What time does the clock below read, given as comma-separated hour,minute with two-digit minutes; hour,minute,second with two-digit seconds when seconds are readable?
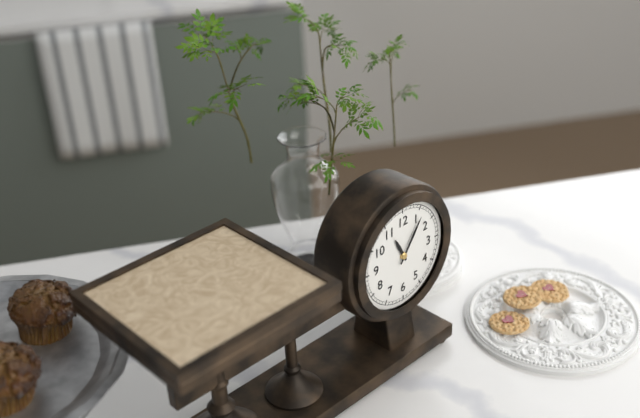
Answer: 11,06
